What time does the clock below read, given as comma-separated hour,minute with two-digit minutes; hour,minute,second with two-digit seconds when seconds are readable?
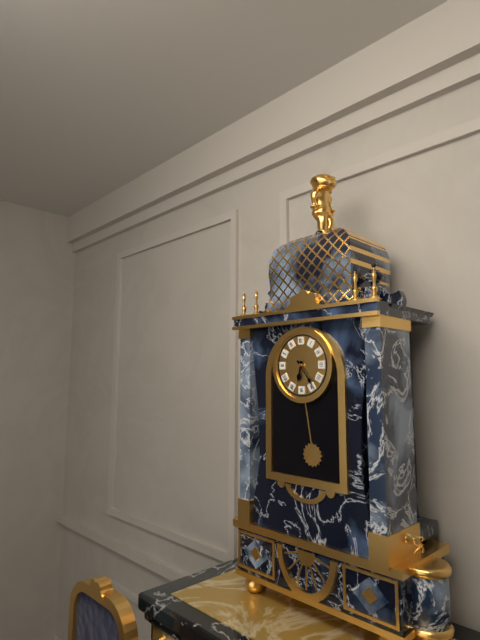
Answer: 6,24
